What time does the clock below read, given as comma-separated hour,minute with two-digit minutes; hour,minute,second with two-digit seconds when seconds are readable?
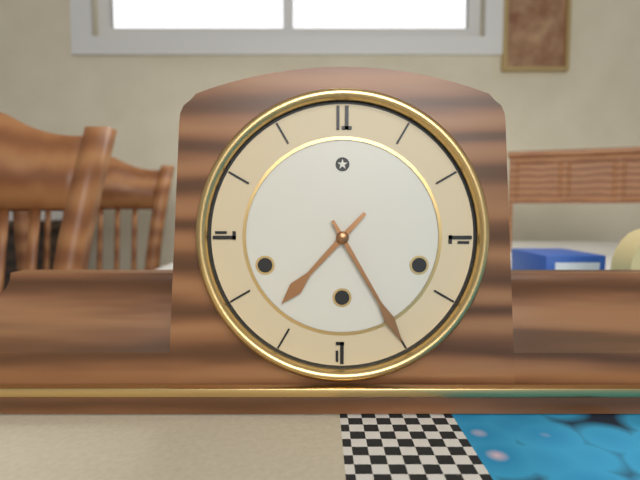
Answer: 7,25
